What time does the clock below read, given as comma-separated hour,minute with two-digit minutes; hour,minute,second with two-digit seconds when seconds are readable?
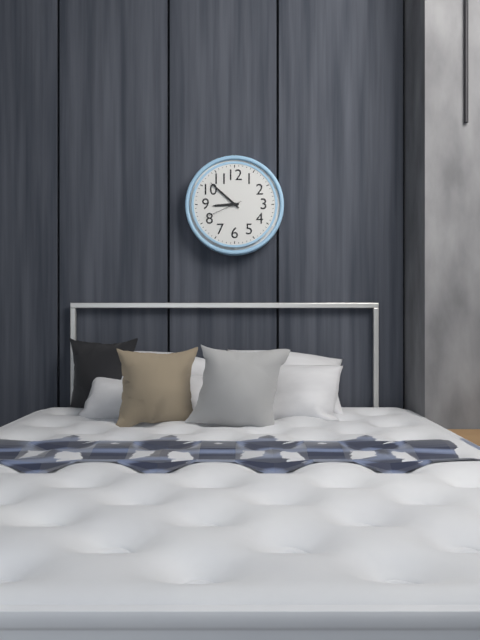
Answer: 8,52
